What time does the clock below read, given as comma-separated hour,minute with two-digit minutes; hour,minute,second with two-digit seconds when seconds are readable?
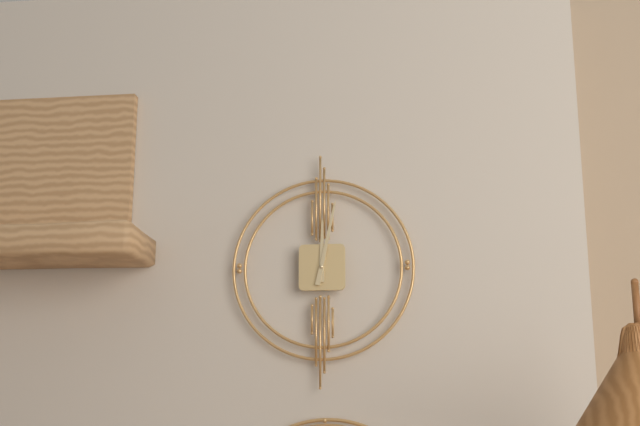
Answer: 12,02
